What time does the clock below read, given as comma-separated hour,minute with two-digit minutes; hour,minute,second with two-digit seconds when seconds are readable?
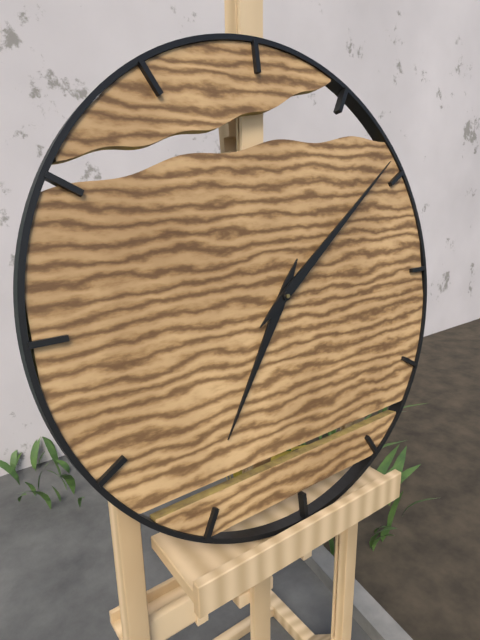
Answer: 7,09
